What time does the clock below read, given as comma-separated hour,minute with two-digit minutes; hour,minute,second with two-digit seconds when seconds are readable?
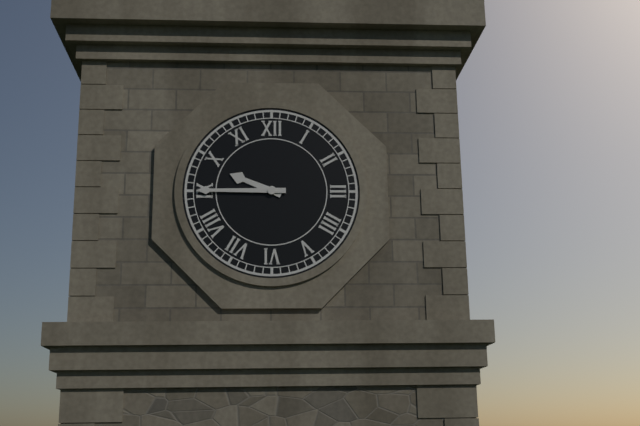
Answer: 9,45
